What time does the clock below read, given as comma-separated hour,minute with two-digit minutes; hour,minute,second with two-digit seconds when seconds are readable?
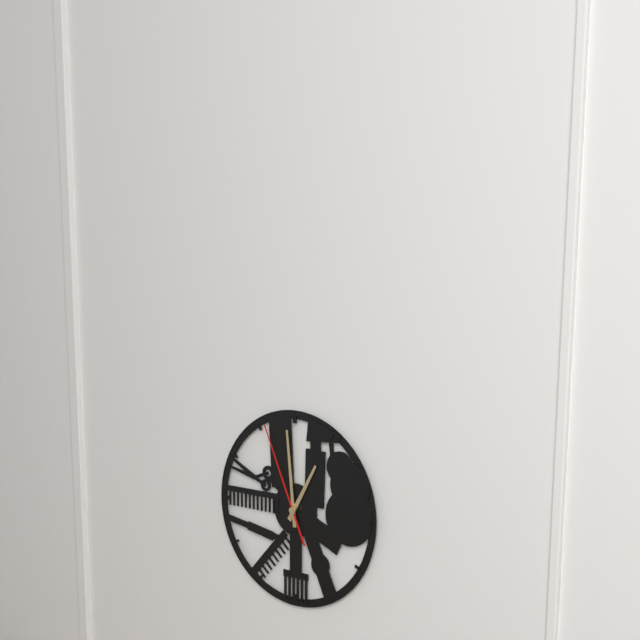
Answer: 12,59,56
